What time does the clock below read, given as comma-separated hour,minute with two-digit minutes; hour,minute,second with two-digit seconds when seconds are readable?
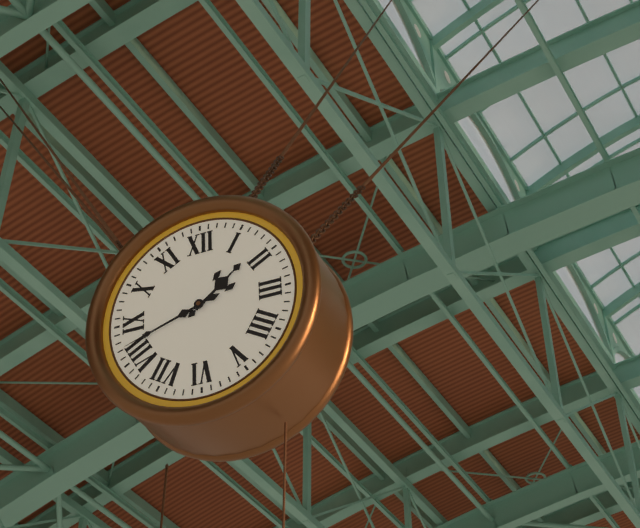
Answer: 1,42
